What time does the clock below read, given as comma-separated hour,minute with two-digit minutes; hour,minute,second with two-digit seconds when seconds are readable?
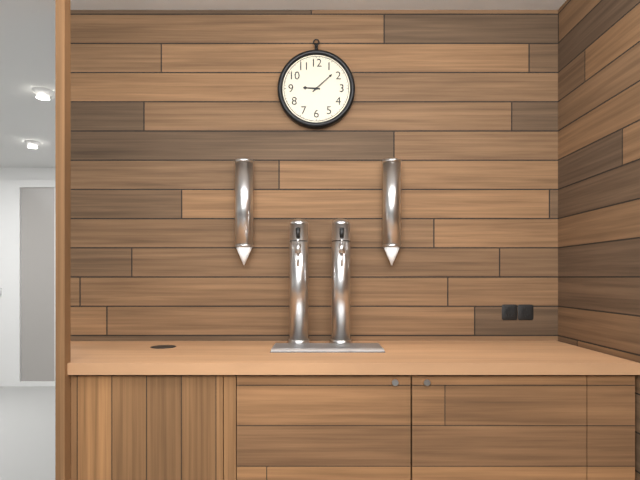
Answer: 9,08
